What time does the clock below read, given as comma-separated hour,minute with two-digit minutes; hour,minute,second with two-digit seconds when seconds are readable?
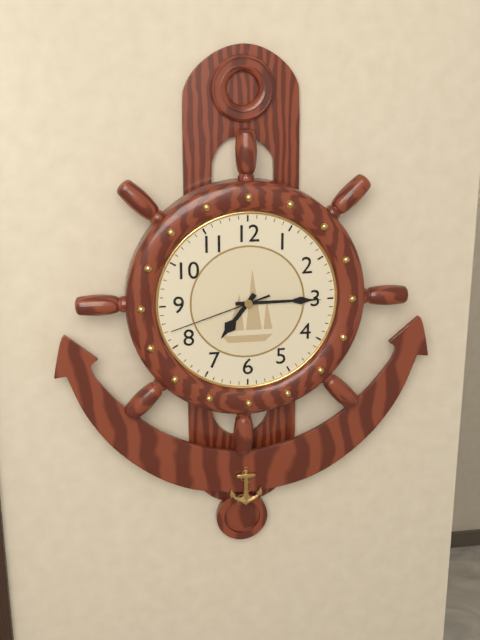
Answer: 7,15,42
